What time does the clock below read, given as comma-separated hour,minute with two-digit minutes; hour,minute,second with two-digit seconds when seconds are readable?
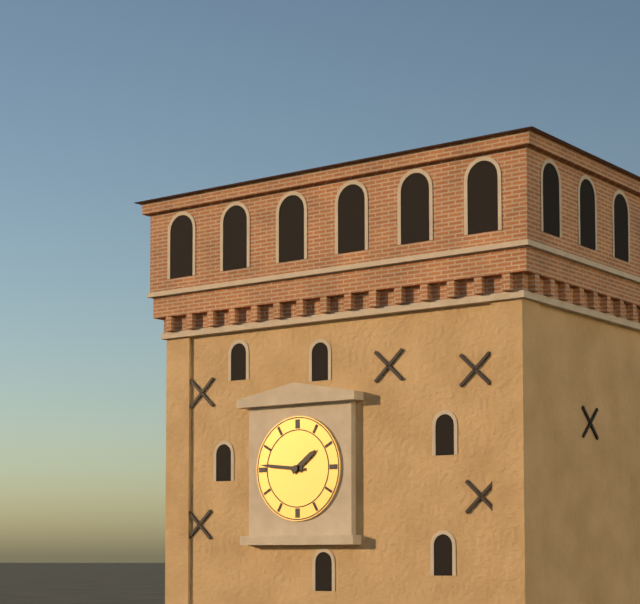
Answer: 1,46
